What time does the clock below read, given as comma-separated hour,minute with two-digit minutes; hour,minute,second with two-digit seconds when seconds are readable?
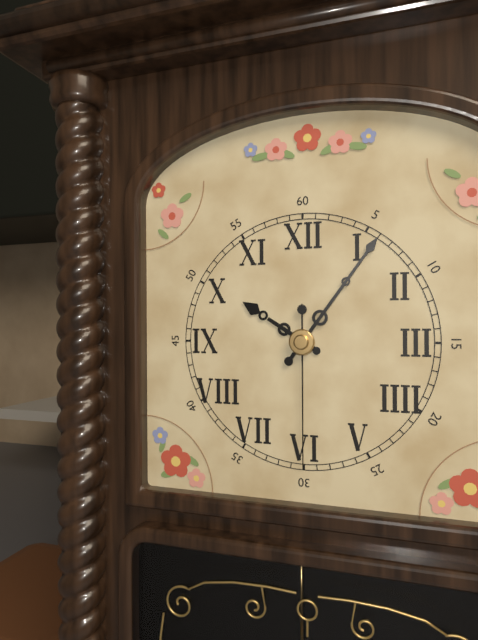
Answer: 10,06,30
